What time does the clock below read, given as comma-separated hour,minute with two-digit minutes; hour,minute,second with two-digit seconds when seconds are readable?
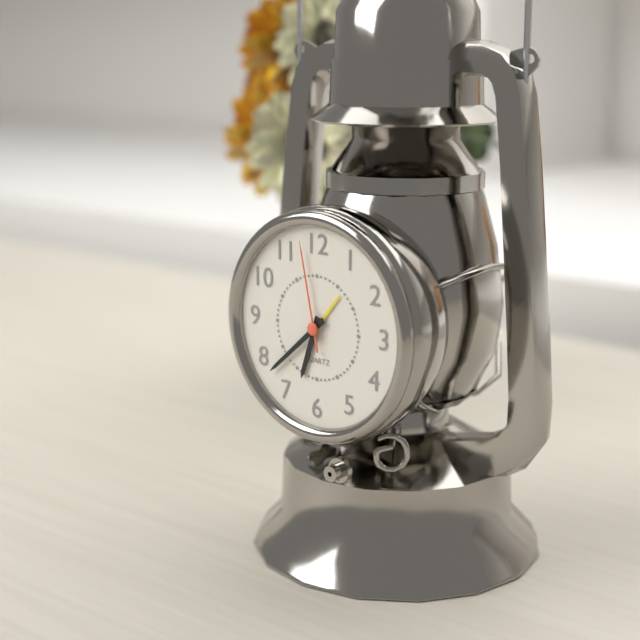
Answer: 6,38,58
